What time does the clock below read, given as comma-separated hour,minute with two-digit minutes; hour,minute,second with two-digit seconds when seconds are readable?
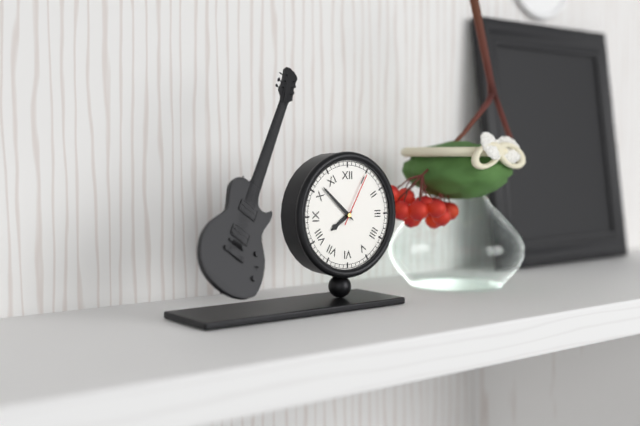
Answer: 7,52,05
